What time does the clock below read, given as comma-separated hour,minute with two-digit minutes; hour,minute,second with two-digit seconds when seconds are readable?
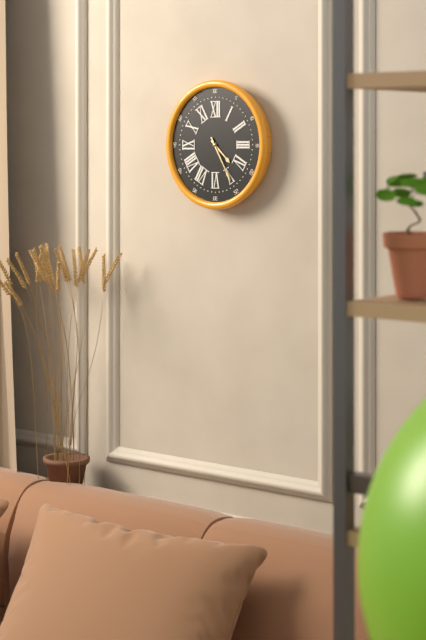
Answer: 4,25
